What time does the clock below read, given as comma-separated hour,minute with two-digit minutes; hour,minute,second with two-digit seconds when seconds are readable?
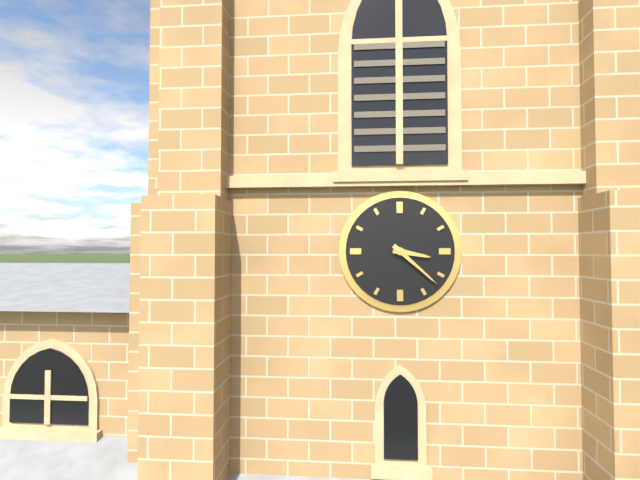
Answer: 3,22
